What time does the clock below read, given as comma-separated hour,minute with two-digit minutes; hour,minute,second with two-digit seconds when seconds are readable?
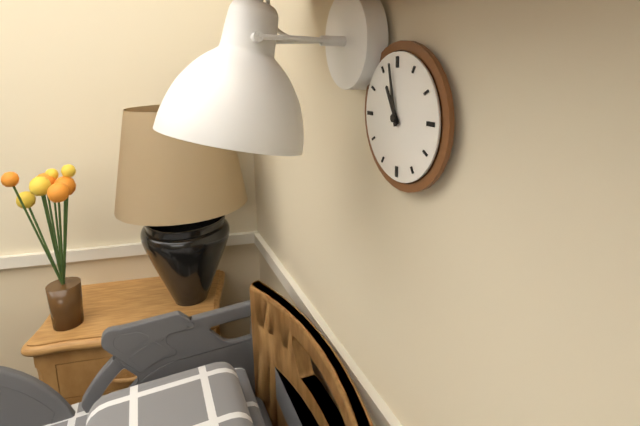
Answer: 10,58
